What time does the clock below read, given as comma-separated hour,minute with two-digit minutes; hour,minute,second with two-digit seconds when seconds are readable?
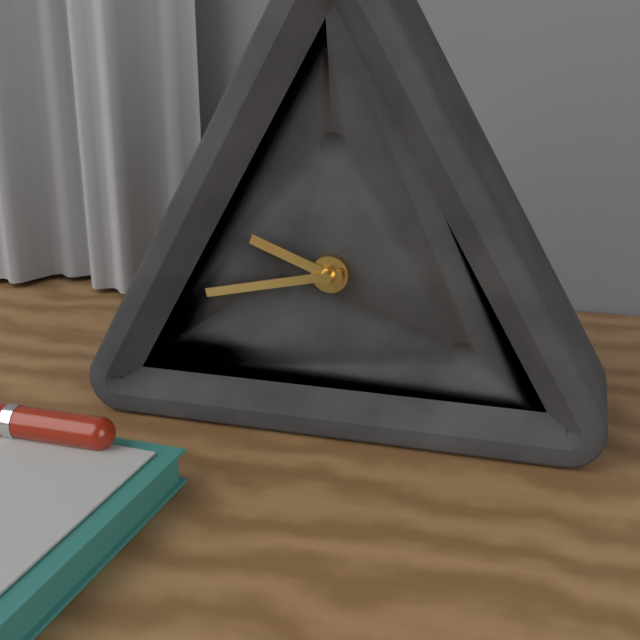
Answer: 9,43
